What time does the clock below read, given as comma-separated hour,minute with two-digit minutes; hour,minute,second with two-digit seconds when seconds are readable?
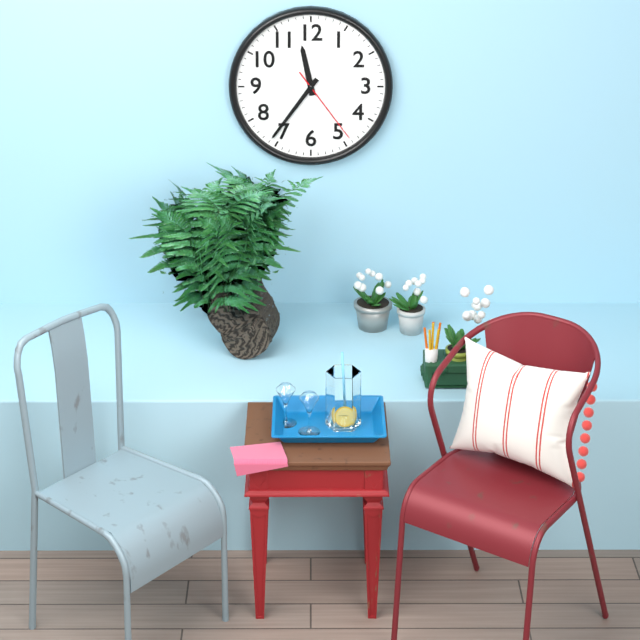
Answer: 11,36,24
